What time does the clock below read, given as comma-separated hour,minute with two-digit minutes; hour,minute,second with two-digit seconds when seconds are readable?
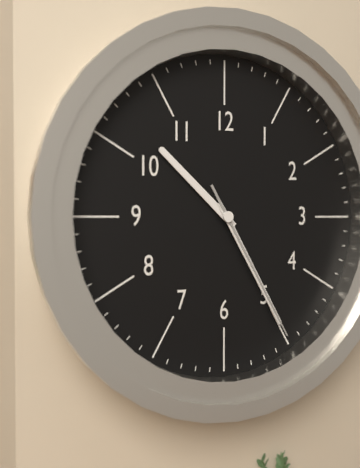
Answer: 10,25,25
